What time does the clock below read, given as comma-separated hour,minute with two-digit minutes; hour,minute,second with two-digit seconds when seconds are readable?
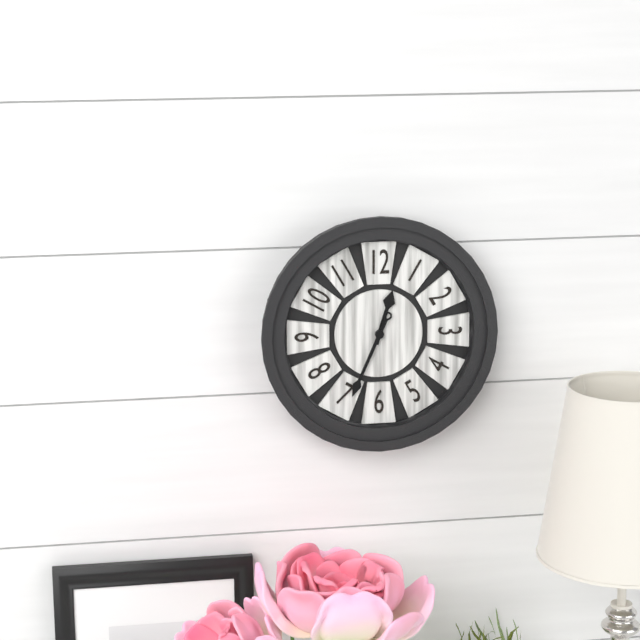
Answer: 12,34
